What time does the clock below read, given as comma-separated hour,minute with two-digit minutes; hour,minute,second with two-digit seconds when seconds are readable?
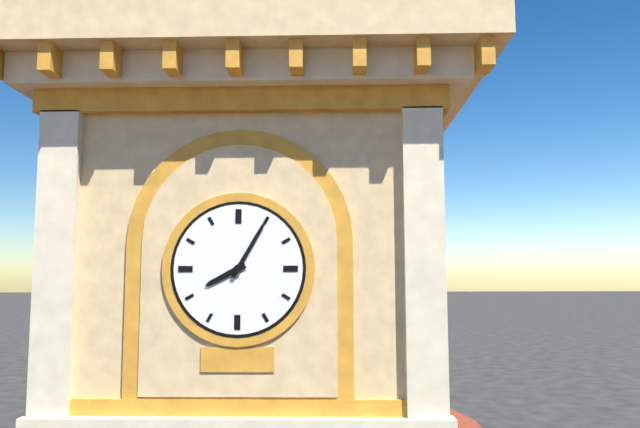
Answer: 8,05
